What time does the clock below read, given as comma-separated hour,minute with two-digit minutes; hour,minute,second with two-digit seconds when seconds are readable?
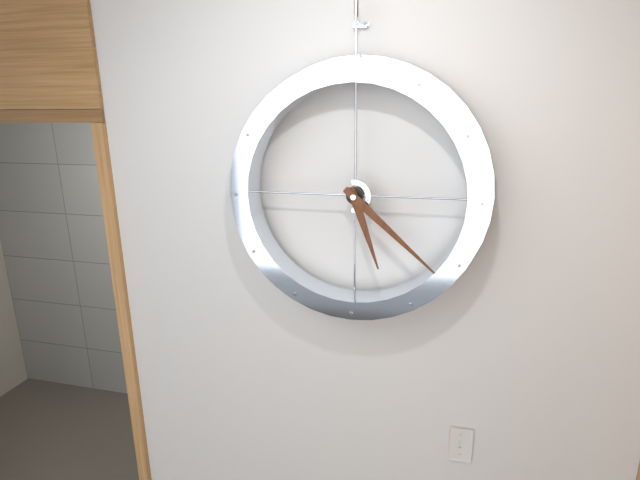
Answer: 5,22
